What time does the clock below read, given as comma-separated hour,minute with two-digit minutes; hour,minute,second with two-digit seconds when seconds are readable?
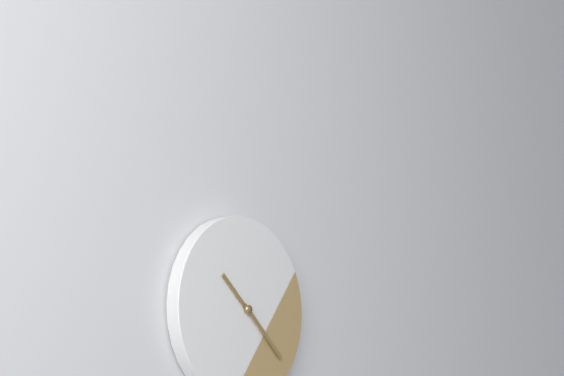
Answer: 10,22
